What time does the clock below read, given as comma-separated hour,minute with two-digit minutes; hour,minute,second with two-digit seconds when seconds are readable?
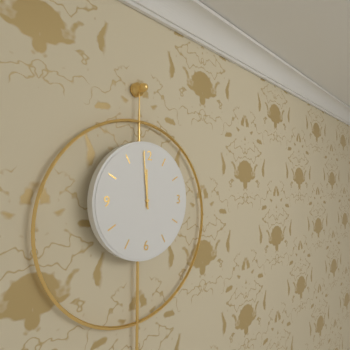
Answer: 11,59
